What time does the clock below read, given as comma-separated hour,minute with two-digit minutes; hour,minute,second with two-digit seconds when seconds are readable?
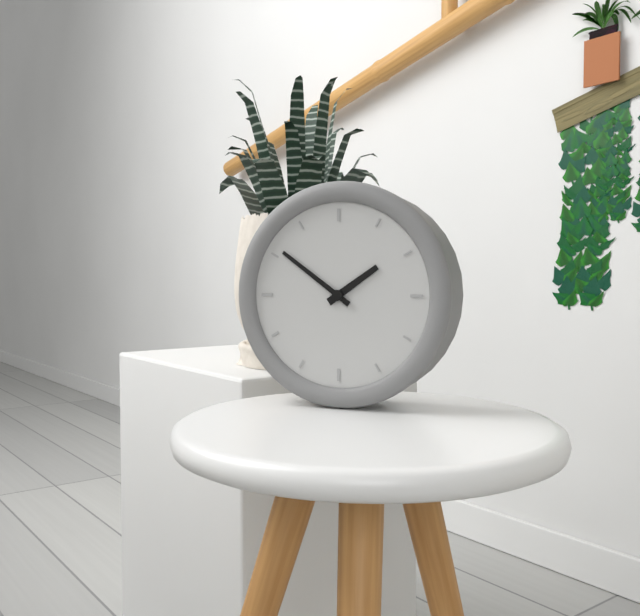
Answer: 1,51
